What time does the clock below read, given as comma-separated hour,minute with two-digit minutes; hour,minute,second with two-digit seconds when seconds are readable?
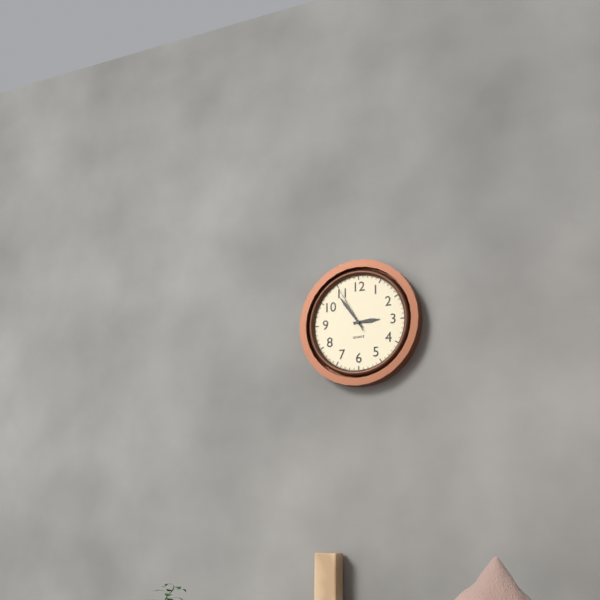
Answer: 2,54
